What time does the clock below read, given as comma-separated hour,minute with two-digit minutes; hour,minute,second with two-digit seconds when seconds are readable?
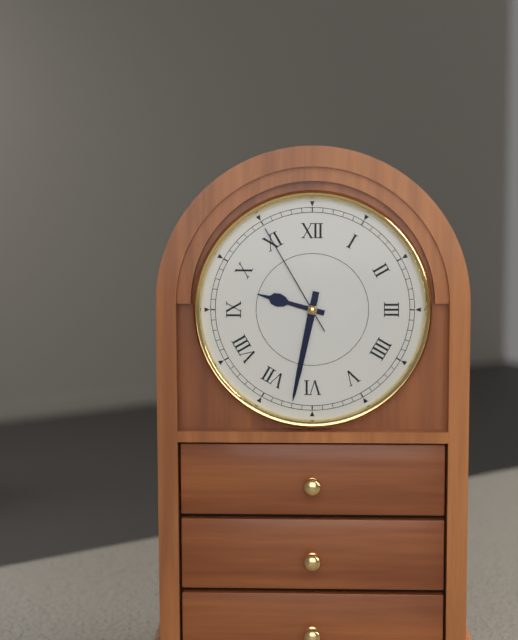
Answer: 9,32,55
